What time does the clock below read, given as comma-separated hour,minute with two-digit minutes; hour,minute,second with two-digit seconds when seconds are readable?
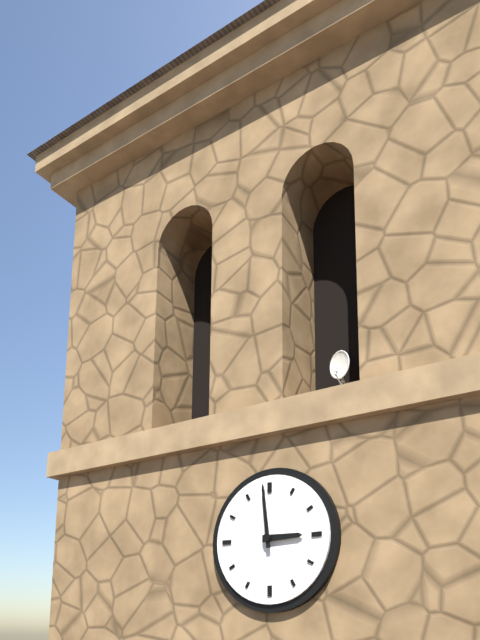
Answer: 2,59
